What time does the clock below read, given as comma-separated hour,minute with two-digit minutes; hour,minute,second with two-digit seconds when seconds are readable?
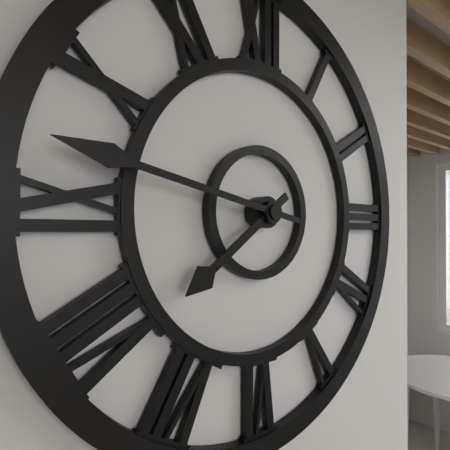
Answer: 7,47
